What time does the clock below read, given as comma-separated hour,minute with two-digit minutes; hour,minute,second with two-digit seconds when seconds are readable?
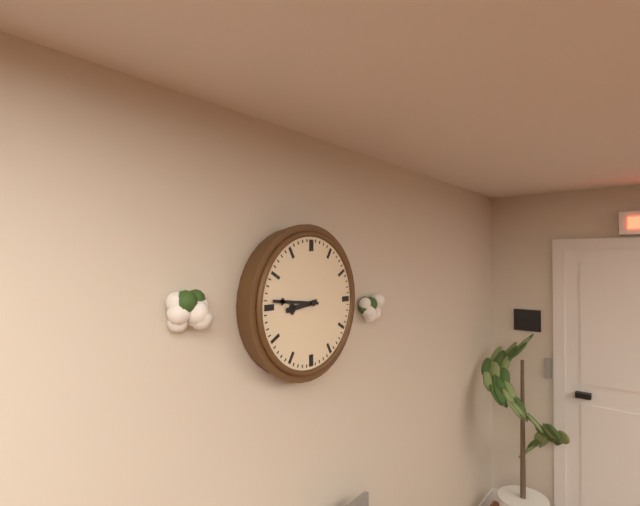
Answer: 8,46
